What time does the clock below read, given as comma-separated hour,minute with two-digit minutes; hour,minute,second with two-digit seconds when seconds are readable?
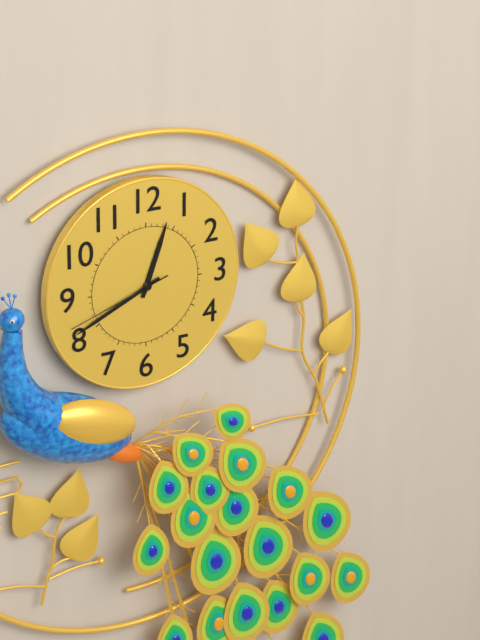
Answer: 12,41,42
